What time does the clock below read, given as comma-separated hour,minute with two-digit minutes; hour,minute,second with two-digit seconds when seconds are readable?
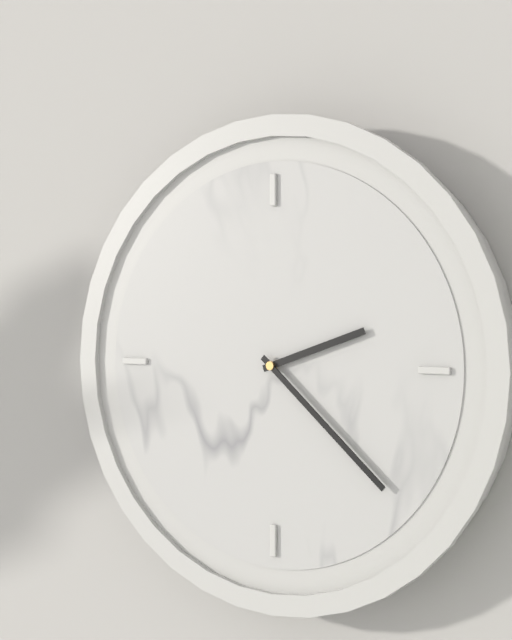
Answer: 2,22
